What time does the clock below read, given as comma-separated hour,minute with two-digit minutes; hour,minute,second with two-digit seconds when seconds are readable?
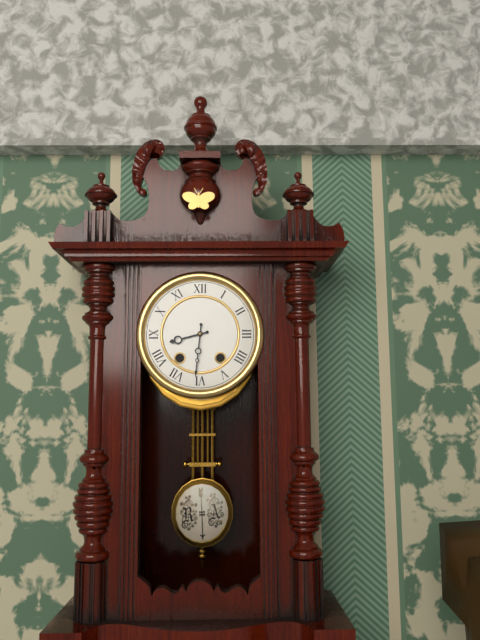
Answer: 8,31
